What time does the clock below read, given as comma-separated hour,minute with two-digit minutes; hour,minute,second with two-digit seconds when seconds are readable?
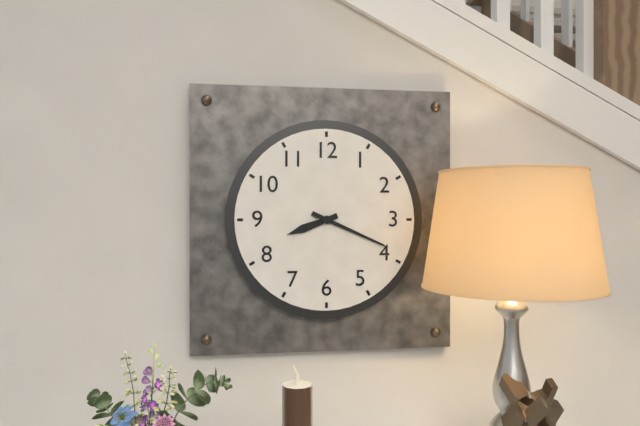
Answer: 8,19
